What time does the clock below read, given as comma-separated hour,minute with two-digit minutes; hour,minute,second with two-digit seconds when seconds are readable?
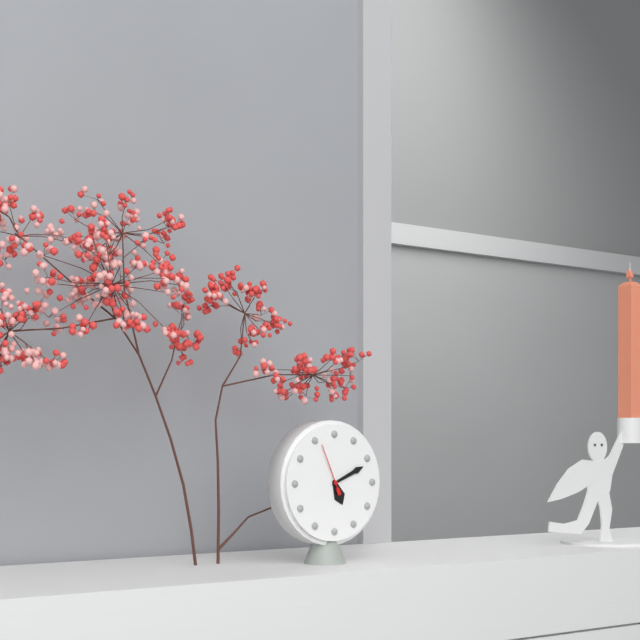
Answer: 5,11,56
